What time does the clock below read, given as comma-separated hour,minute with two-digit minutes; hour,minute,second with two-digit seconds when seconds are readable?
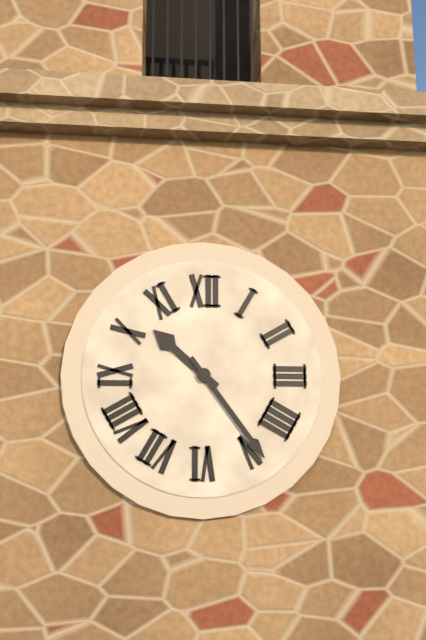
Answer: 10,24
